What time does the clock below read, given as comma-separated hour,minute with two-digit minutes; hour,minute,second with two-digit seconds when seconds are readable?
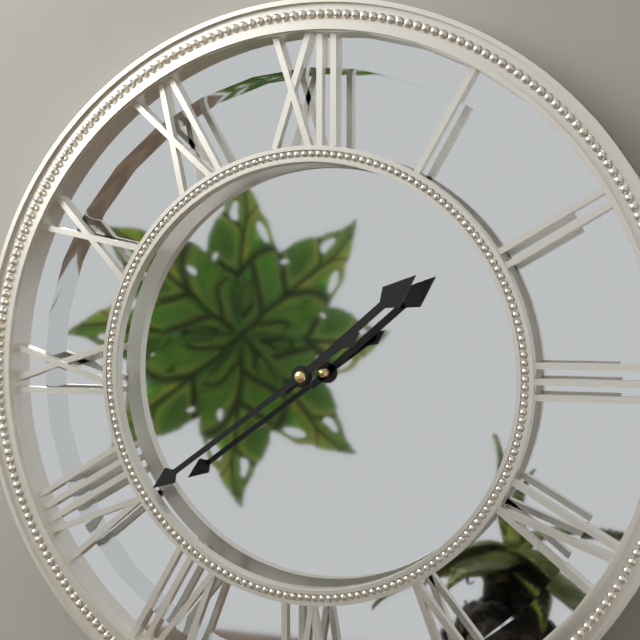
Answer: 1,39
